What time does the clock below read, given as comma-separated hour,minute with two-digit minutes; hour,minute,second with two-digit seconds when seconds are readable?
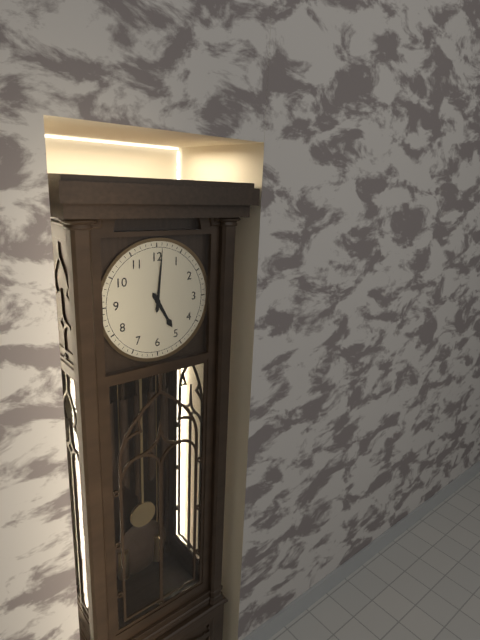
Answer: 5,01
